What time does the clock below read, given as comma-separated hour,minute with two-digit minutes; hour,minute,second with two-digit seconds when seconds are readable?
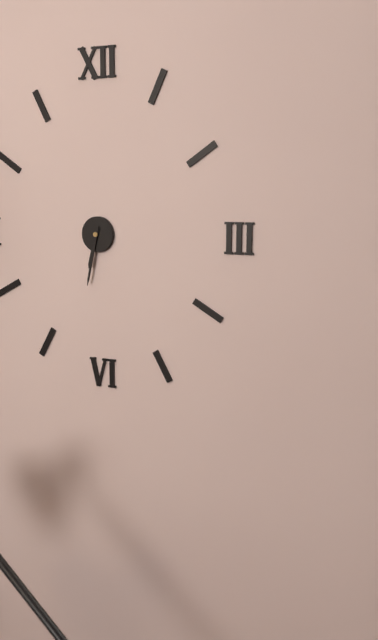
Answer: 6,32
